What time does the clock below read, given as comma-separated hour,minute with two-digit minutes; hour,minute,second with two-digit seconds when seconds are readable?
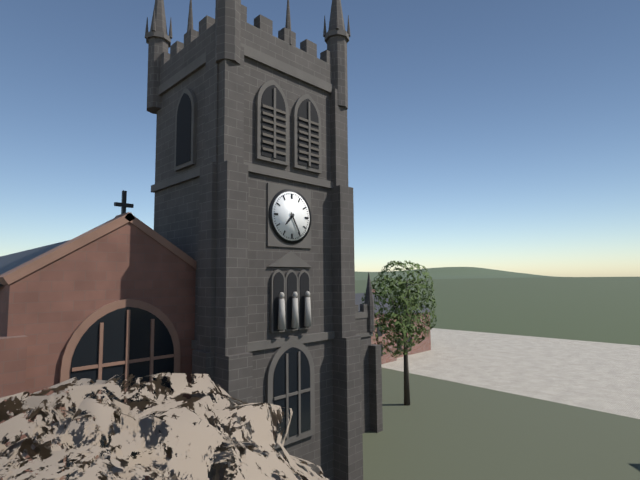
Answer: 7,25
